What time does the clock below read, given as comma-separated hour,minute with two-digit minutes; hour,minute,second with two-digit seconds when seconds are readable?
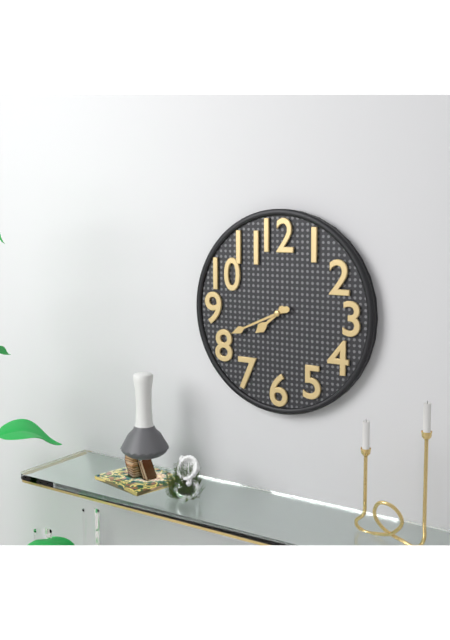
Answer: 7,41
